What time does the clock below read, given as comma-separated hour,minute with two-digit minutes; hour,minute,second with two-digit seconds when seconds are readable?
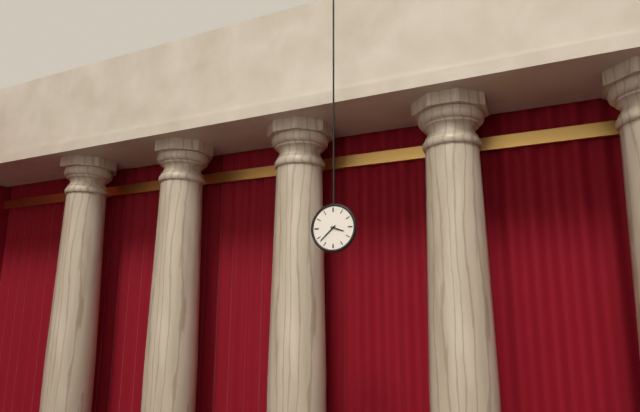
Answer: 3,38
